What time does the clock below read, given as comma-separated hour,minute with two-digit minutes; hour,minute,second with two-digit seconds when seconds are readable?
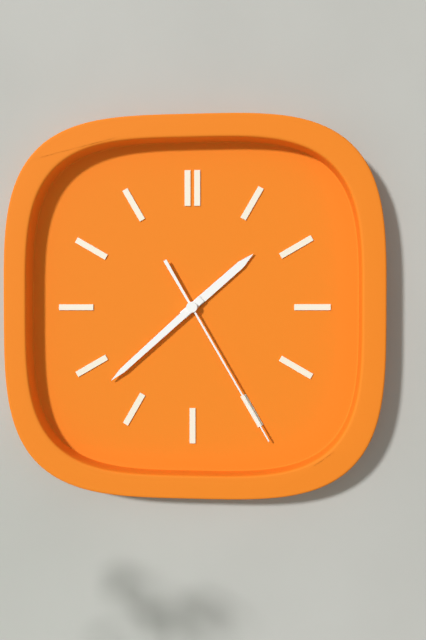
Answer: 1,38,25
